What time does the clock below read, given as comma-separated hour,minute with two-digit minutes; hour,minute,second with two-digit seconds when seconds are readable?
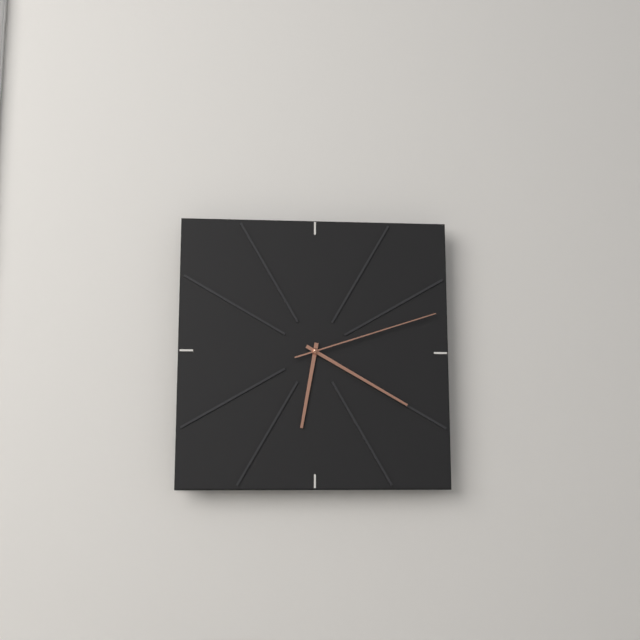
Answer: 6,20,12
